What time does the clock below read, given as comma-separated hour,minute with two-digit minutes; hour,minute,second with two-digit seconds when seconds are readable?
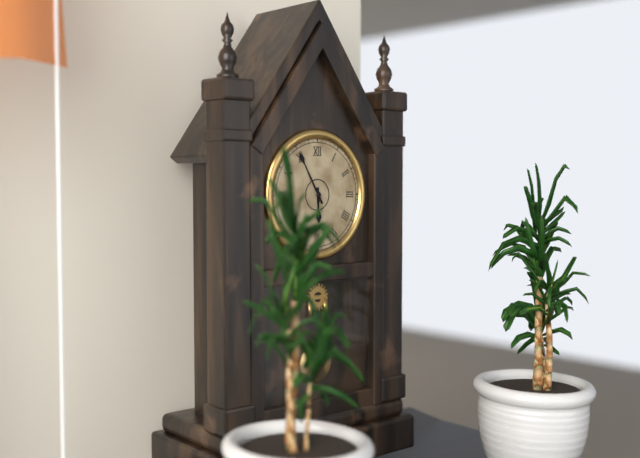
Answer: 5,55
